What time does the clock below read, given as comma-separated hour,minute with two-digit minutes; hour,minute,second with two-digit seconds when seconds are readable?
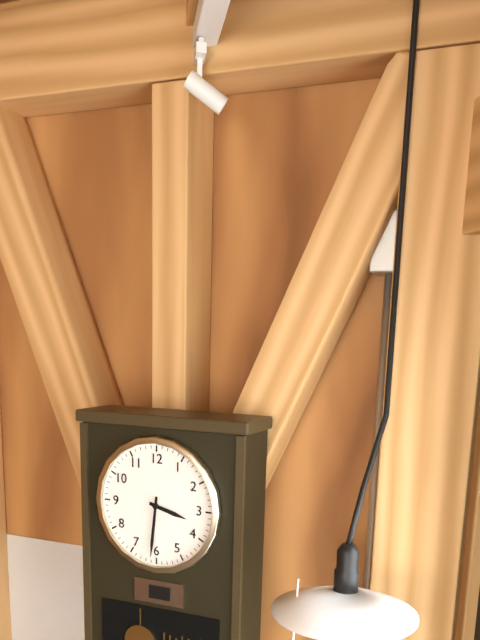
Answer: 3,31
